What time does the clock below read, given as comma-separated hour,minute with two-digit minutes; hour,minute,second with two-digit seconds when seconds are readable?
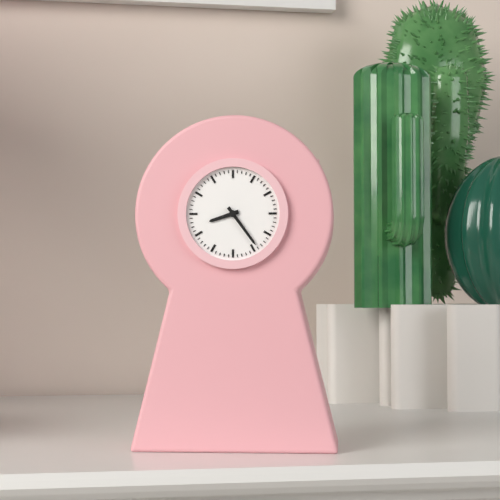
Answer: 8,24
